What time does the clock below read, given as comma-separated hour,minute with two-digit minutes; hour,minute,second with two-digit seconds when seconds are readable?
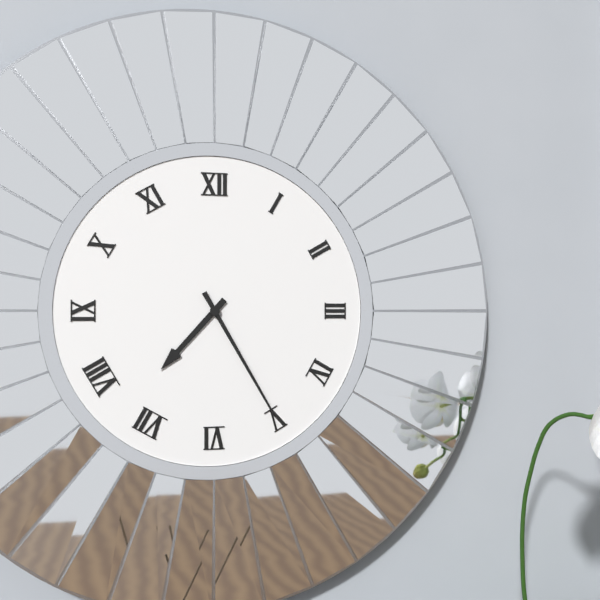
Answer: 7,25
